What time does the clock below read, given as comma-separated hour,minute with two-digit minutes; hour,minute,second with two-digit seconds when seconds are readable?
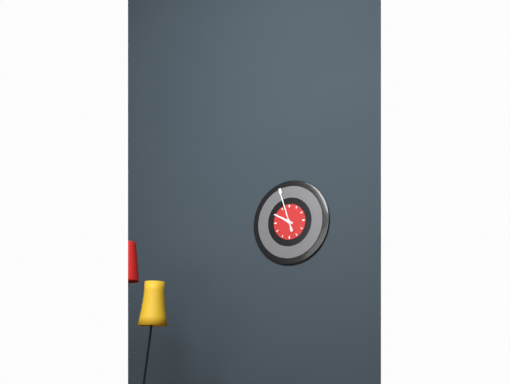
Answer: 9,57
